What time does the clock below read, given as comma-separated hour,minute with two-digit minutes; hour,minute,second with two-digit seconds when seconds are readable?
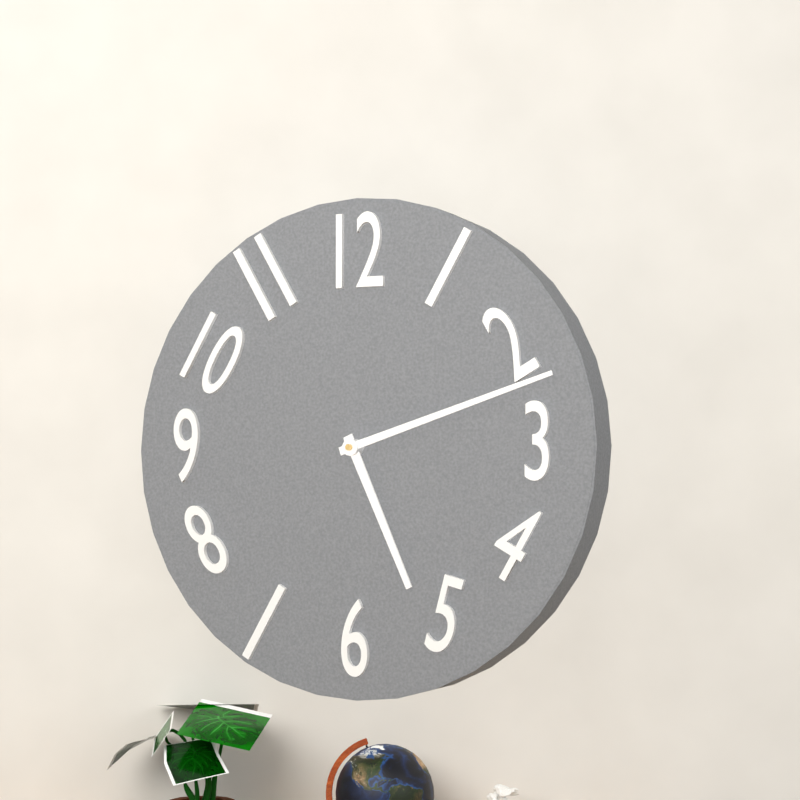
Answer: 5,12
